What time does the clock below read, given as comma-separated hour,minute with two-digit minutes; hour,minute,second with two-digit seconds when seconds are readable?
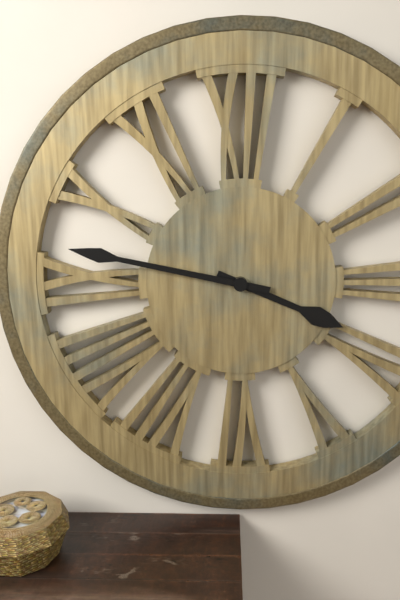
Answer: 3,47
